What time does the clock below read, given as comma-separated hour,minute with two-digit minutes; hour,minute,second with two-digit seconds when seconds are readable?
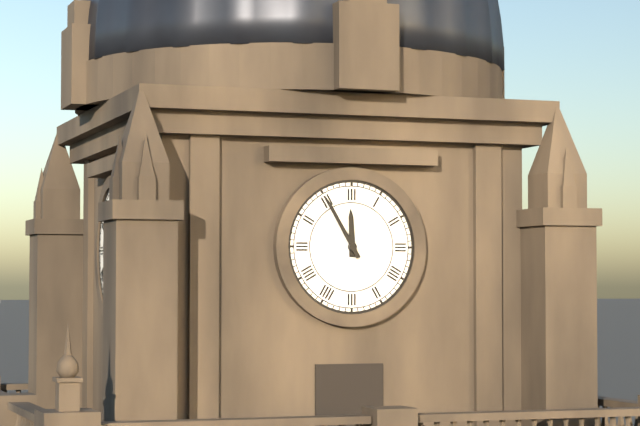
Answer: 11,55
